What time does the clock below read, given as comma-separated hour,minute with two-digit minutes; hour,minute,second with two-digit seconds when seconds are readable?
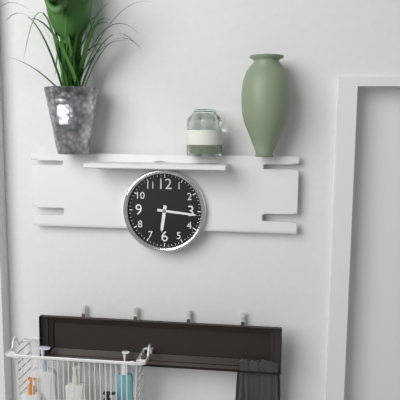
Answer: 6,16
